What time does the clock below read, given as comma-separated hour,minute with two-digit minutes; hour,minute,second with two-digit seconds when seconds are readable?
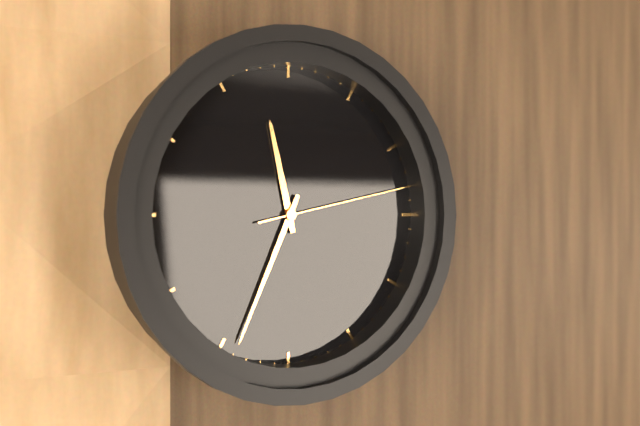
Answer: 11,34,13
